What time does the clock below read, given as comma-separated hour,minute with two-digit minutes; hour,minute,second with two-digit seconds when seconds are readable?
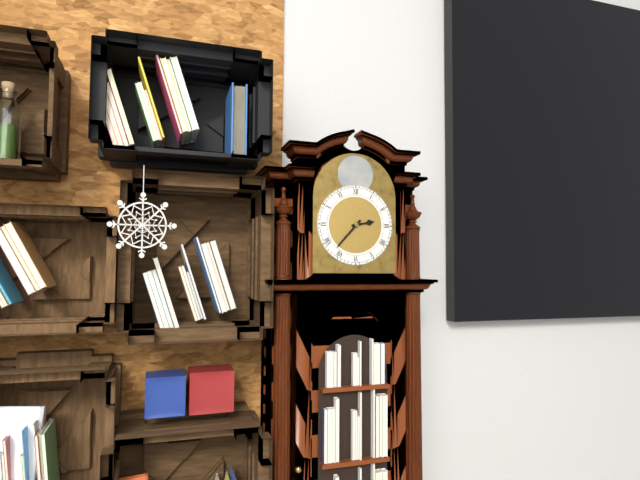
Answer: 2,37
